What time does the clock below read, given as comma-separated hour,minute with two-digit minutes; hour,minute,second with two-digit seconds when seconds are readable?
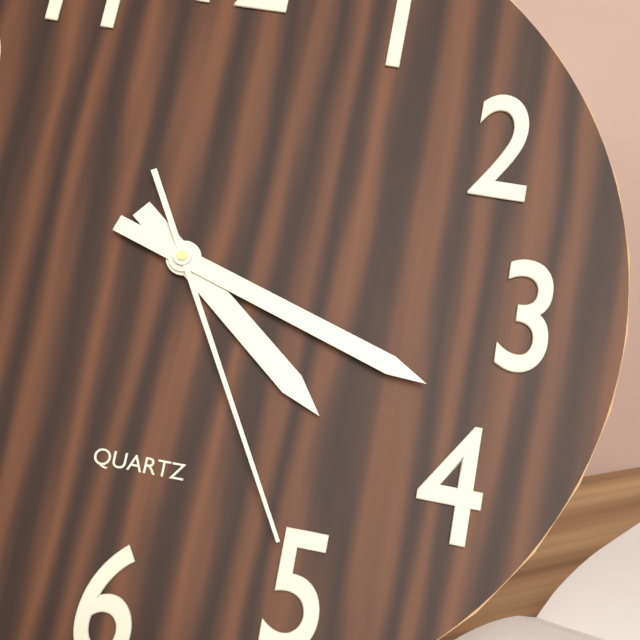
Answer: 4,18,25
